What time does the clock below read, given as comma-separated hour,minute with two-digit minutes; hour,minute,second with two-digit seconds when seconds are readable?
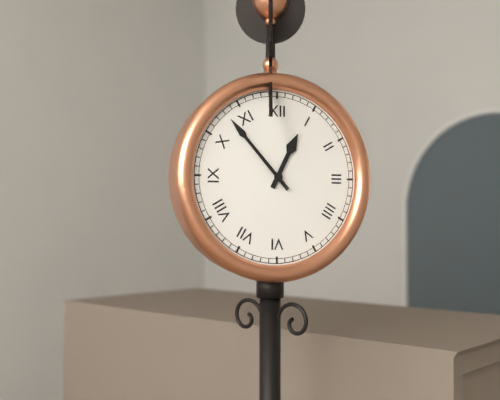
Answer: 12,53
